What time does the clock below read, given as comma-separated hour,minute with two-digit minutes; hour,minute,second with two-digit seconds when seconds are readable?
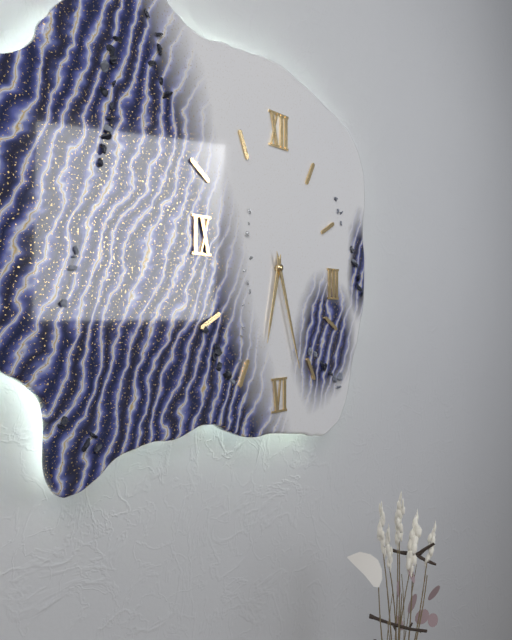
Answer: 6,27
